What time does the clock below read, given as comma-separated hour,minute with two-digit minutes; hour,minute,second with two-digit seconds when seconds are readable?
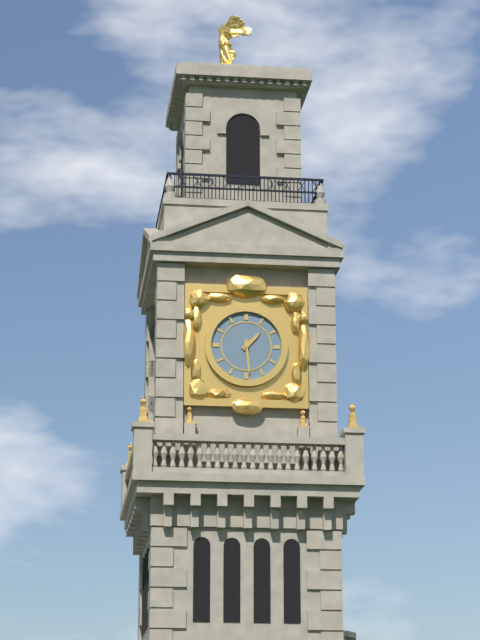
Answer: 1,29
